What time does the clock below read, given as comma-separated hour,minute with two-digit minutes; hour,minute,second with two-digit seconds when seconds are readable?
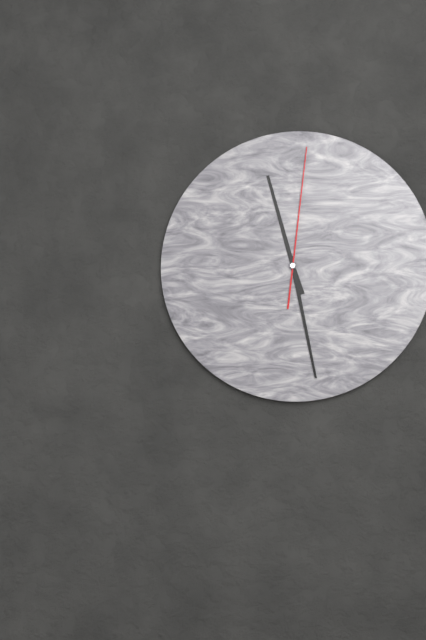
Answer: 11,28,01
